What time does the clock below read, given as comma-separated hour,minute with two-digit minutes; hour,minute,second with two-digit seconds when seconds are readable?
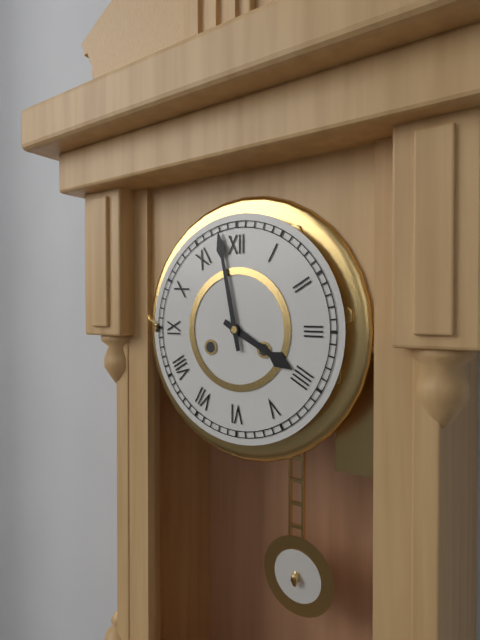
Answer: 3,58
